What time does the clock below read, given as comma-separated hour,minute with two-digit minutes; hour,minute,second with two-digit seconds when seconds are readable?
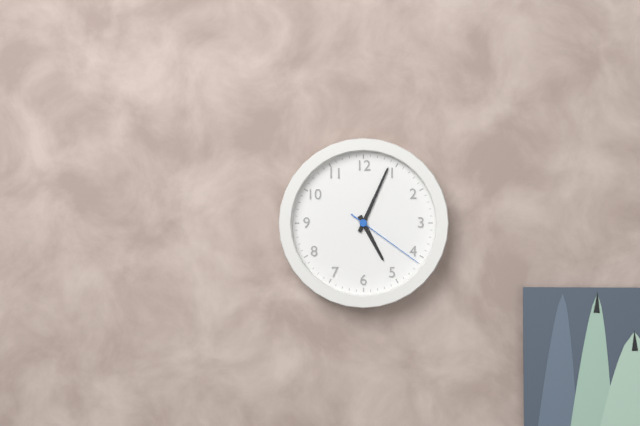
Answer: 5,04,21
